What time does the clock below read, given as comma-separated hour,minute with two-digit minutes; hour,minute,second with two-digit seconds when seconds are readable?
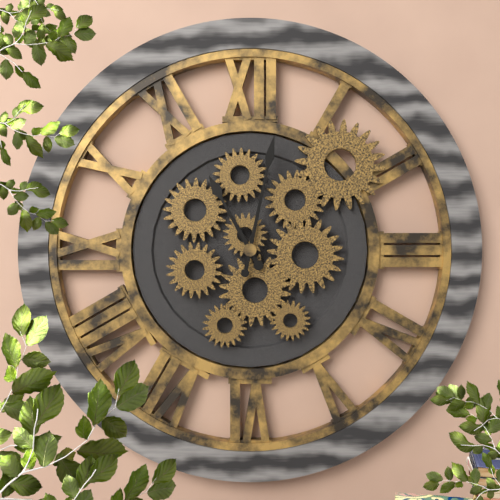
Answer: 11,02
